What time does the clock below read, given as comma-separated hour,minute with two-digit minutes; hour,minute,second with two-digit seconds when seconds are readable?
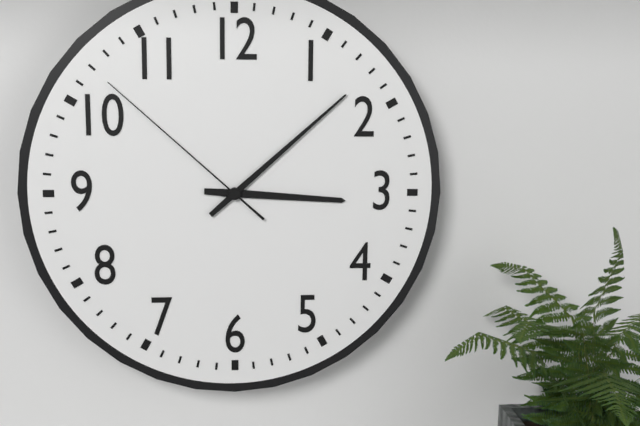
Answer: 3,08,52
